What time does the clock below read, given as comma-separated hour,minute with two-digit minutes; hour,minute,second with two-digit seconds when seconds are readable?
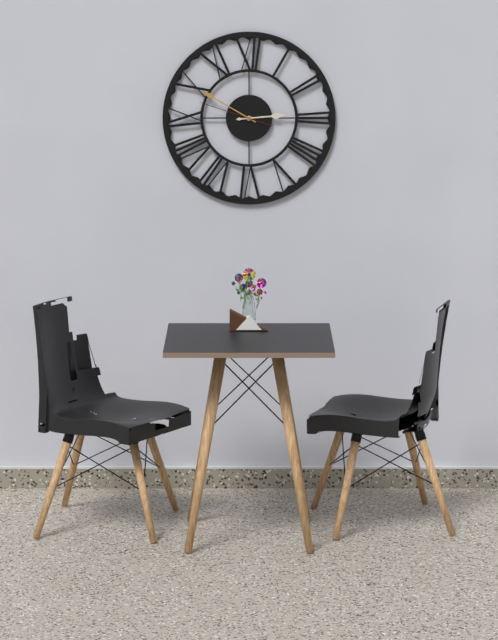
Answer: 2,50,48
